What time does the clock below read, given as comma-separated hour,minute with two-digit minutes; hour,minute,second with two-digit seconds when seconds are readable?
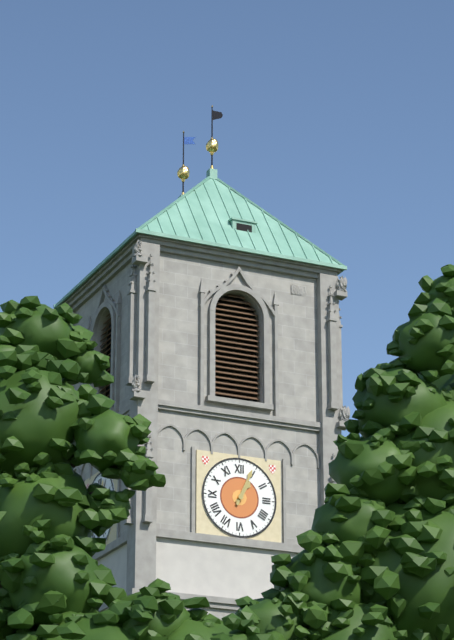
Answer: 1,04
